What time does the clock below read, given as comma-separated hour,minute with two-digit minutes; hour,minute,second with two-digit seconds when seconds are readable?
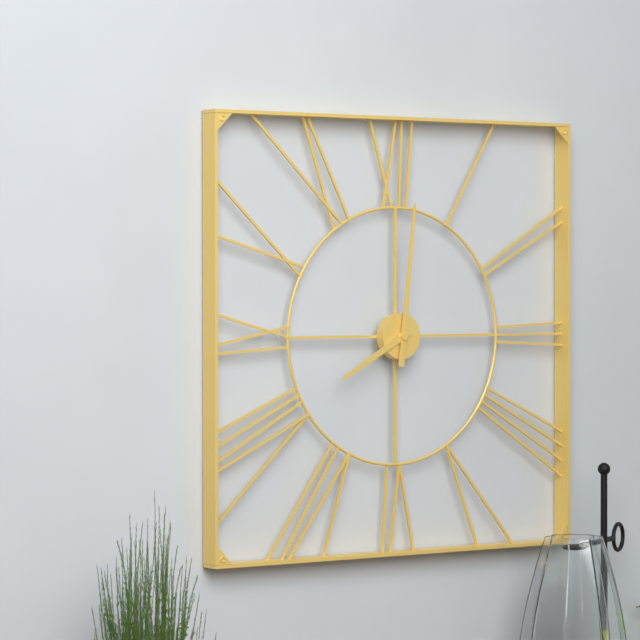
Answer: 8,01
